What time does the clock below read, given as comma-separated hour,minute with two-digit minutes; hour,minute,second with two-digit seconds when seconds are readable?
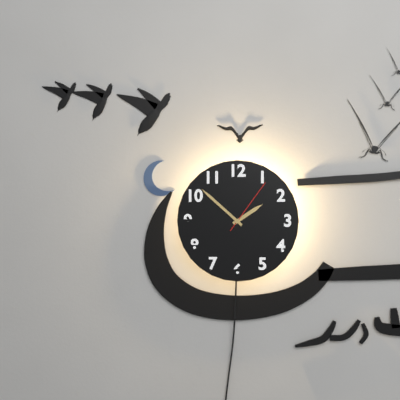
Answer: 1,52,06
